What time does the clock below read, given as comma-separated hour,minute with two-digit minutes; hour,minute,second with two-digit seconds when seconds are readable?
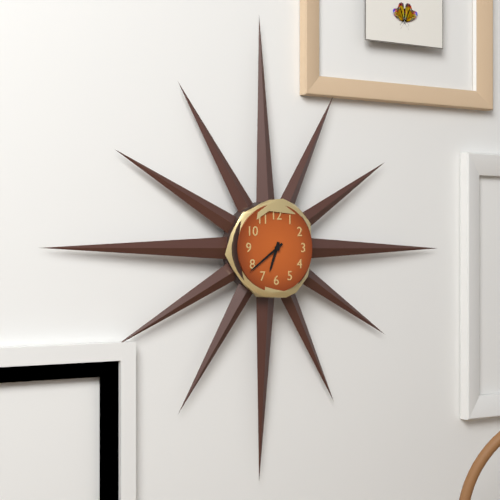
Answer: 6,39
